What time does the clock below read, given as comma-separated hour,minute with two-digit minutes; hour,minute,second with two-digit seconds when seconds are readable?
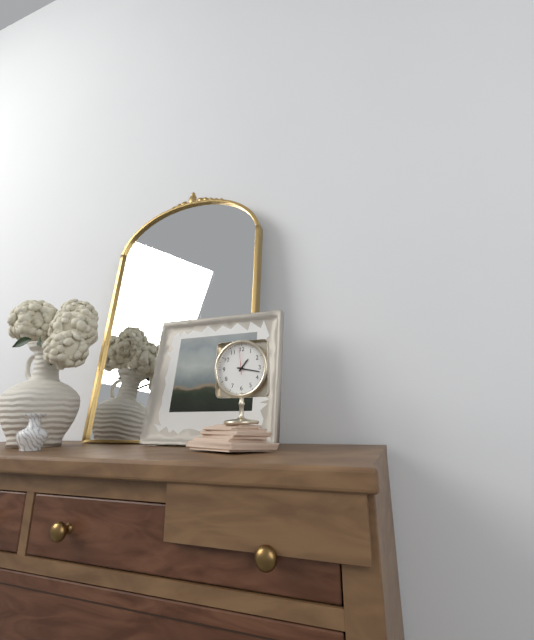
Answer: 1,17
